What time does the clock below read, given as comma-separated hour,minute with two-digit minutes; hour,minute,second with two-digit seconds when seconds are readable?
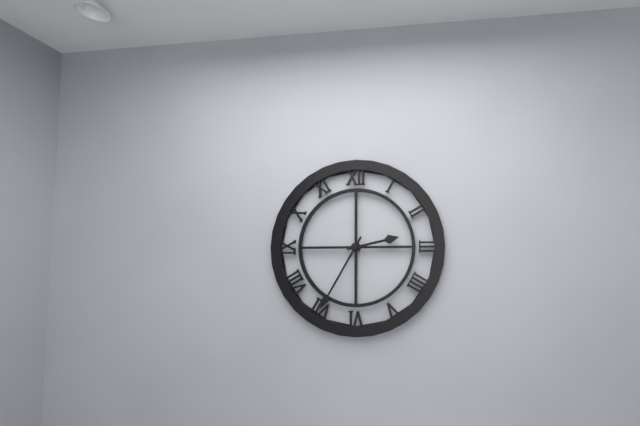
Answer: 2,35
